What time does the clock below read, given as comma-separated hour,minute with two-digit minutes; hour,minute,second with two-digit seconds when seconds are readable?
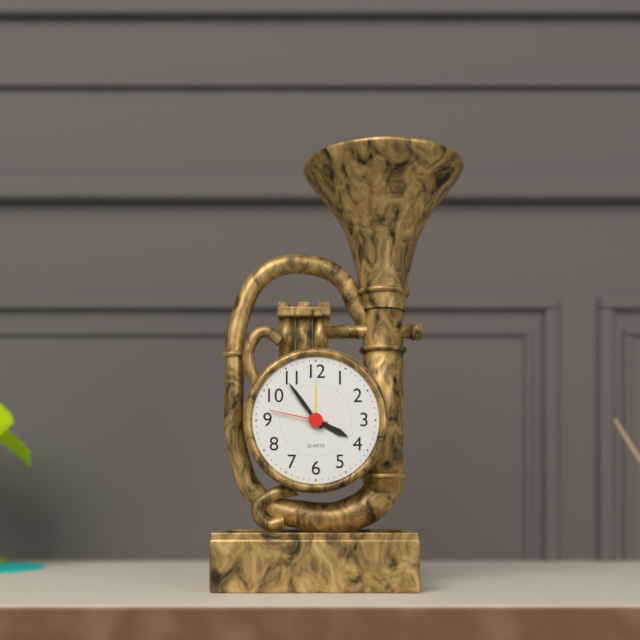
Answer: 3,54,47
